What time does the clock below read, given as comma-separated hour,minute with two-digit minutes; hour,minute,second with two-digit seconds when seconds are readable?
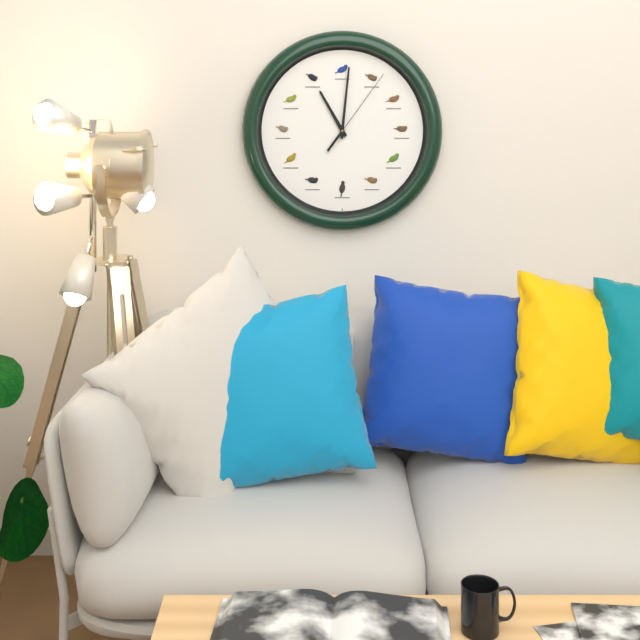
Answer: 11,01,06
